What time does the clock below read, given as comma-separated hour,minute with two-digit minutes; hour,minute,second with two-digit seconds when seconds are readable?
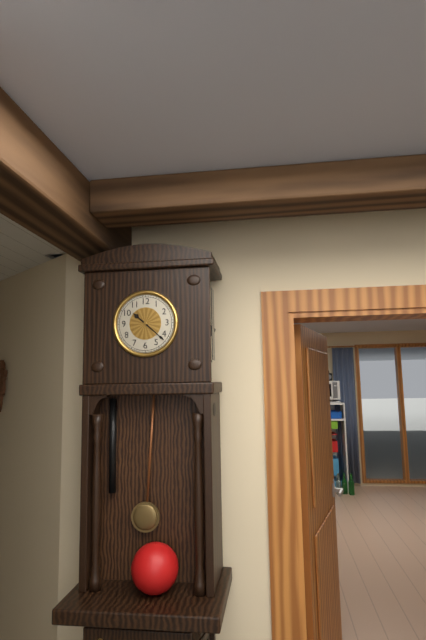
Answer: 10,22
